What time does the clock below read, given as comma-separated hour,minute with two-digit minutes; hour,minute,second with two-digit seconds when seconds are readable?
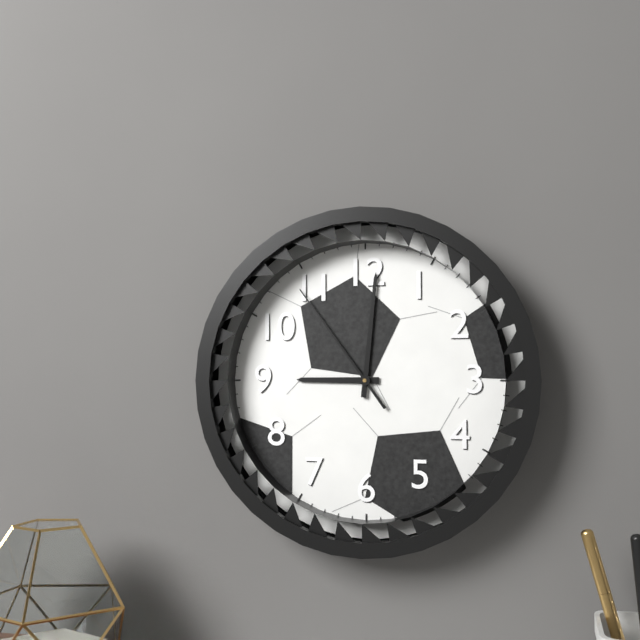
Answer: 9,01,54
